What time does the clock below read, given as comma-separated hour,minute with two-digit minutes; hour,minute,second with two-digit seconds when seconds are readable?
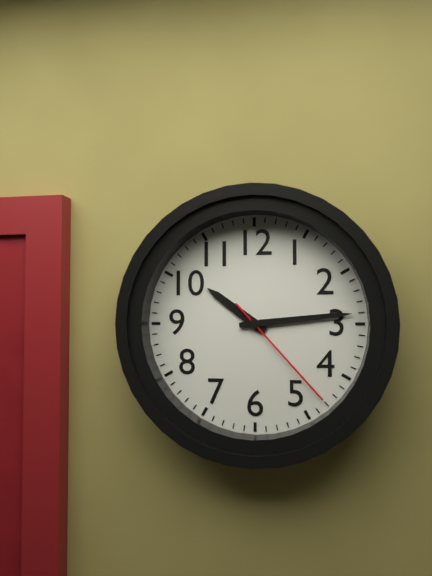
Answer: 10,14,23
